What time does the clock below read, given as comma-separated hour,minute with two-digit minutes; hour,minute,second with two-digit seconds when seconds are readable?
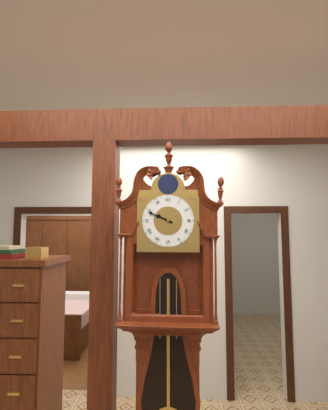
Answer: 9,49
